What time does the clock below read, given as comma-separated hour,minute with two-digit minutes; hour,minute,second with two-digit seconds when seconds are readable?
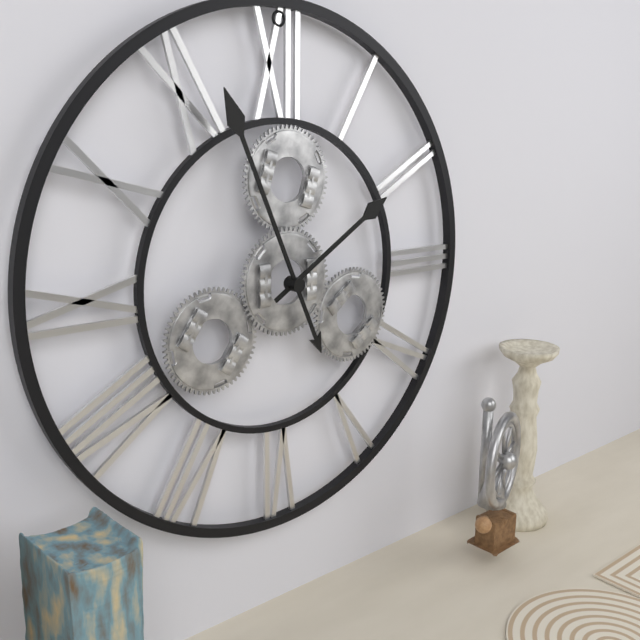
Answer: 1,56
